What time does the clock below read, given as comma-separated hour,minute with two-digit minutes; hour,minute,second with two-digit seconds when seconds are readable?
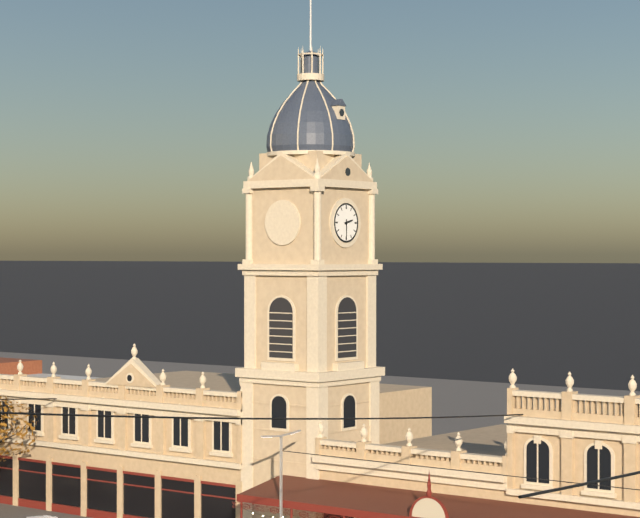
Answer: 2,30
